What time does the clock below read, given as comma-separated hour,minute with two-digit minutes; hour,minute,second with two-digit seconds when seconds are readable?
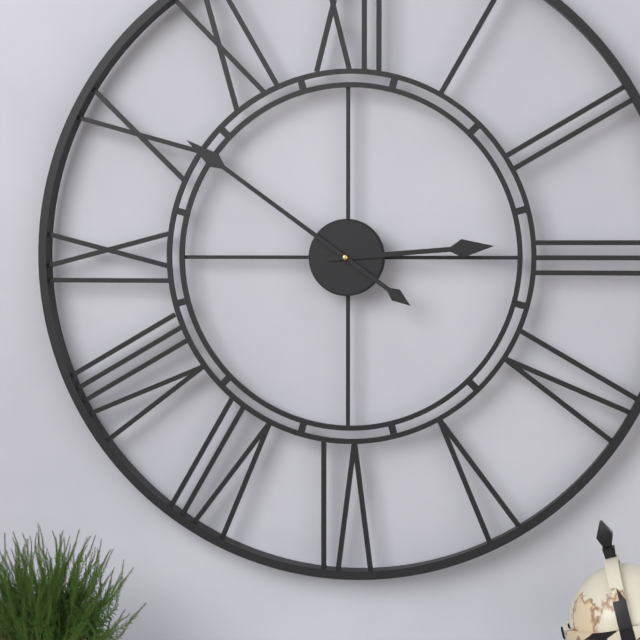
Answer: 2,51
